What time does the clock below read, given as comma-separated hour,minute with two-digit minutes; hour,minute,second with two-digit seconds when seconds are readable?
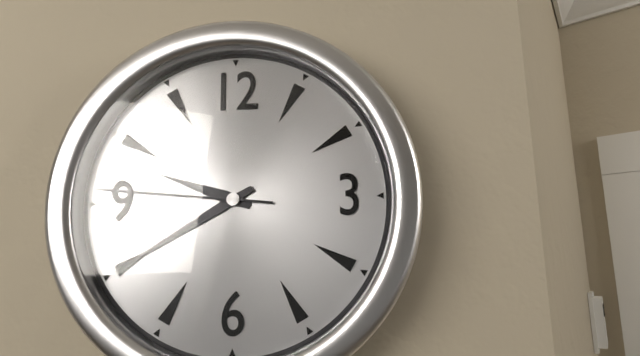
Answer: 9,40,46
